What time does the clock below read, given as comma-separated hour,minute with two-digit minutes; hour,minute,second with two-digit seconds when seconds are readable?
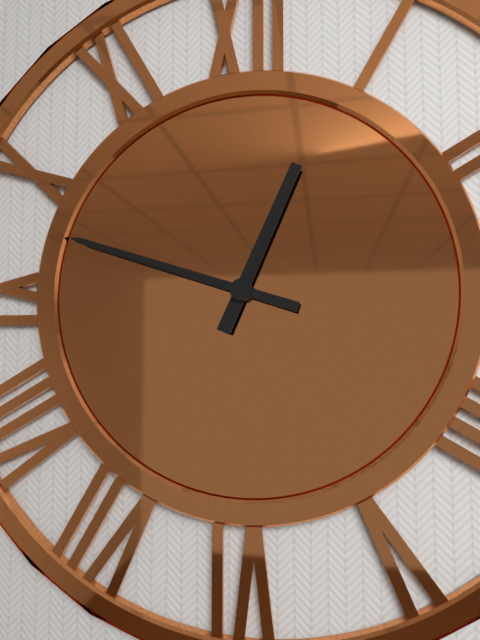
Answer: 12,48
